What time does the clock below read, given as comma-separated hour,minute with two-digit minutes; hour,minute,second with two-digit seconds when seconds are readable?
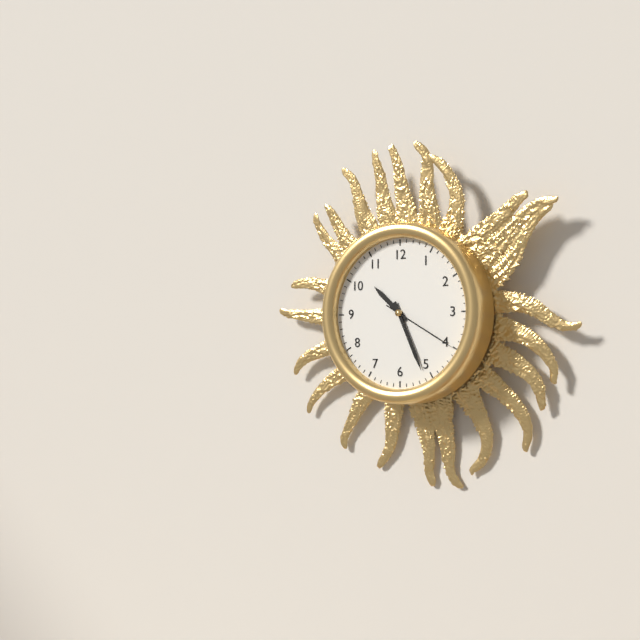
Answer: 10,26,20
